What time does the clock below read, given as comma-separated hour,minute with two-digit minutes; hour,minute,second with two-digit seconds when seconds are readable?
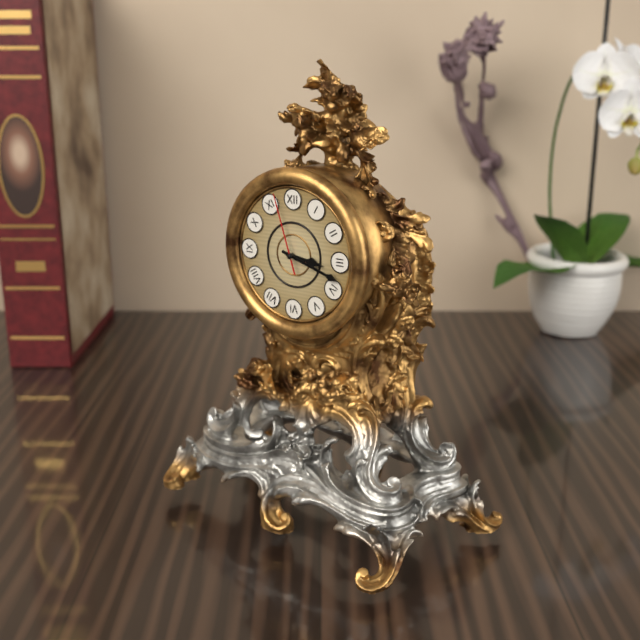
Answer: 3,18,57
